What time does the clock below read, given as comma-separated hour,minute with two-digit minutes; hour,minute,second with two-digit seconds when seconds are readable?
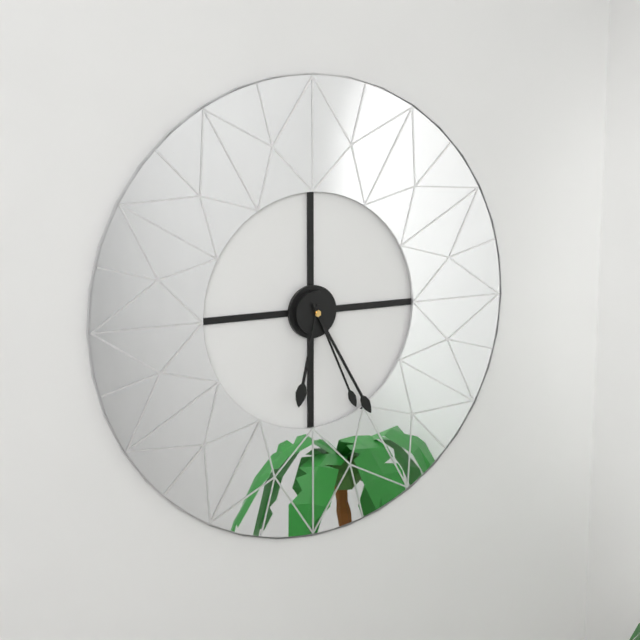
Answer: 6,25,26
